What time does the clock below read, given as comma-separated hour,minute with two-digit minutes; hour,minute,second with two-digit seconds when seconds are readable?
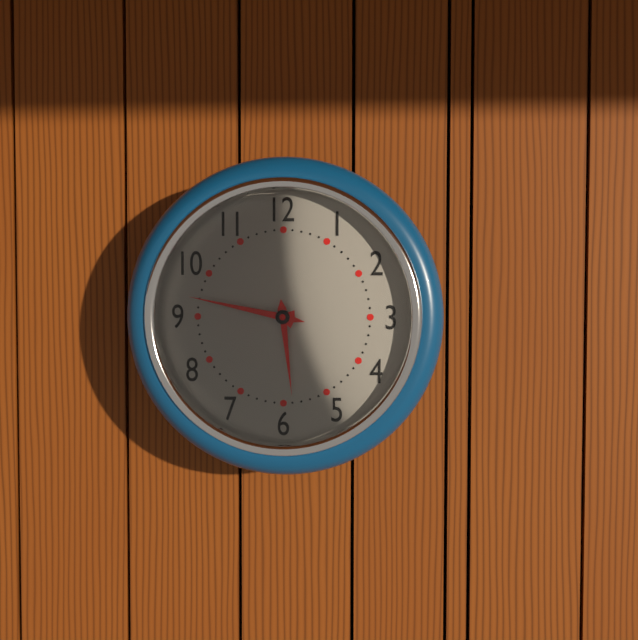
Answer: 5,47
